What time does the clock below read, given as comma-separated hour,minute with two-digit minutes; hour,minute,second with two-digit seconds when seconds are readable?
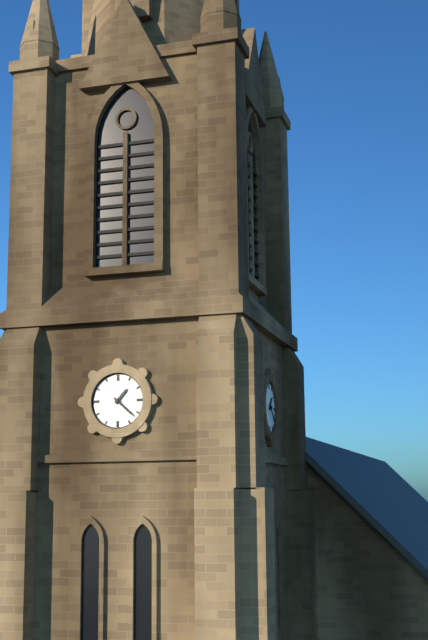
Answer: 1,22
